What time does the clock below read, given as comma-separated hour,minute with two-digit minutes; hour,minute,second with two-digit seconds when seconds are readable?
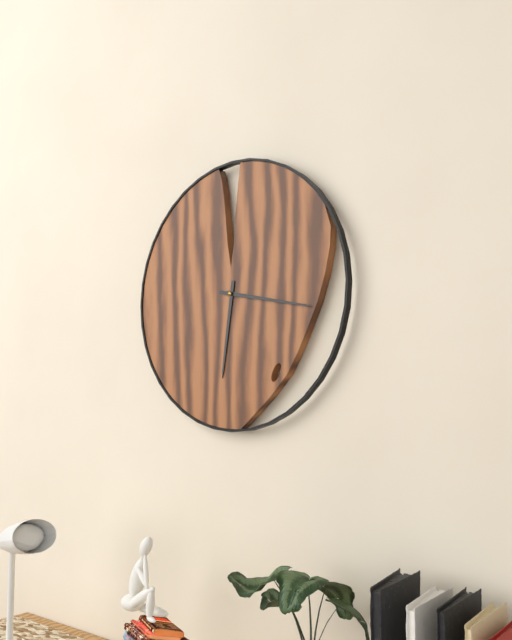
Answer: 6,17
